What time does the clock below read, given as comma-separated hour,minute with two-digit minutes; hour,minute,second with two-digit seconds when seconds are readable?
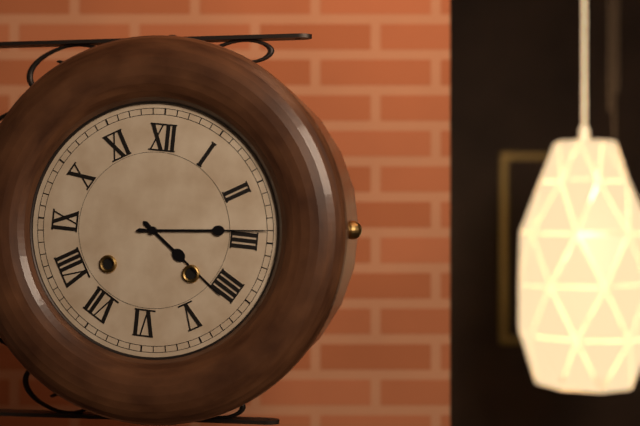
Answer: 4,14
